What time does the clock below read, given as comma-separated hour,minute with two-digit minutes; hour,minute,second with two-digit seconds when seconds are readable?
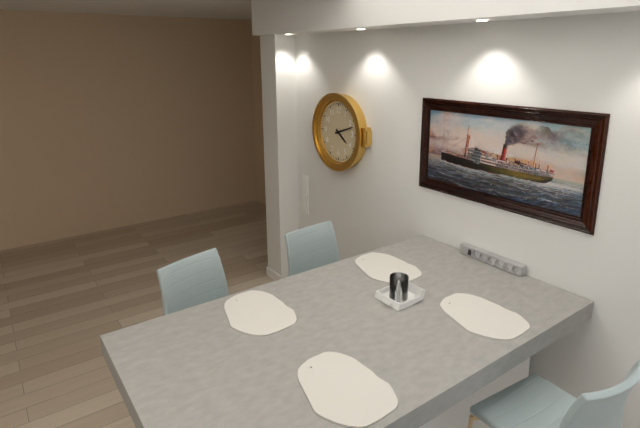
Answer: 4,12
